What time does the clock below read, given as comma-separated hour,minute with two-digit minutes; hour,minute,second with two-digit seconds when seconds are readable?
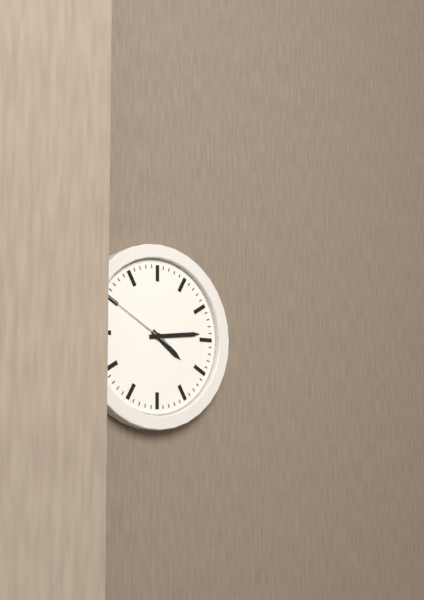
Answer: 4,14,50
